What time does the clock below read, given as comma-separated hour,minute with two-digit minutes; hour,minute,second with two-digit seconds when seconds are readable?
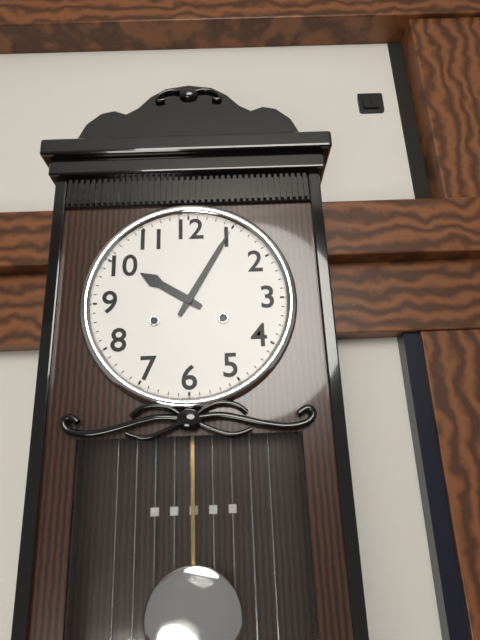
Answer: 10,05
